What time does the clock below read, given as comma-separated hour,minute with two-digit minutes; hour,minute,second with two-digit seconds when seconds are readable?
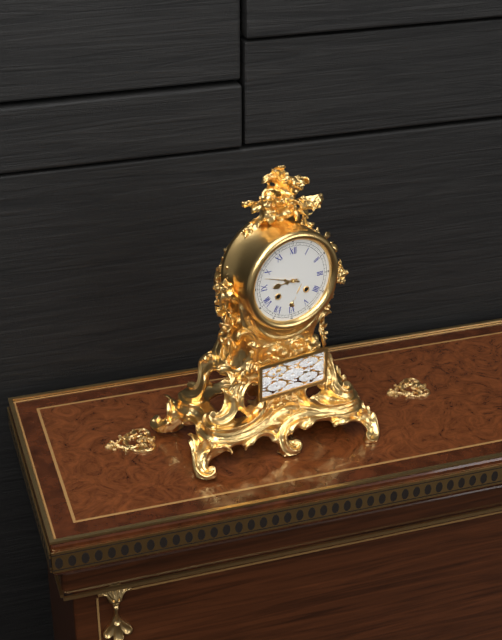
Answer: 8,48
